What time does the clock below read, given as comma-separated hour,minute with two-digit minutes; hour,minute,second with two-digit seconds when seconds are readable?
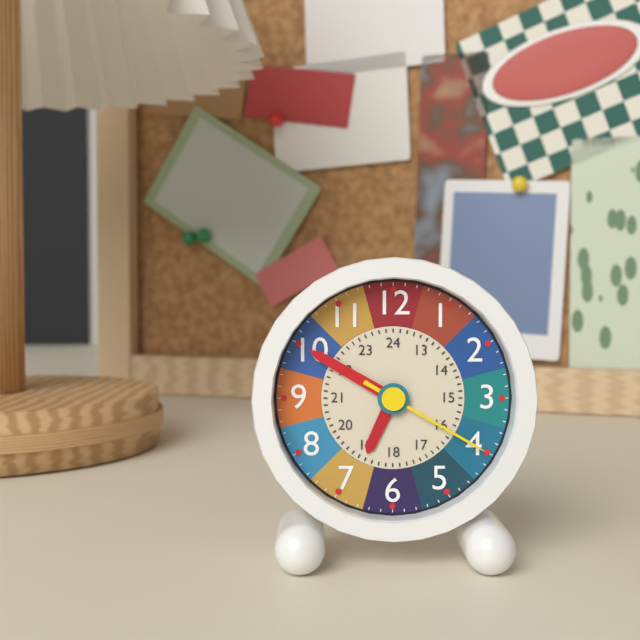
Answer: 6,50,20
